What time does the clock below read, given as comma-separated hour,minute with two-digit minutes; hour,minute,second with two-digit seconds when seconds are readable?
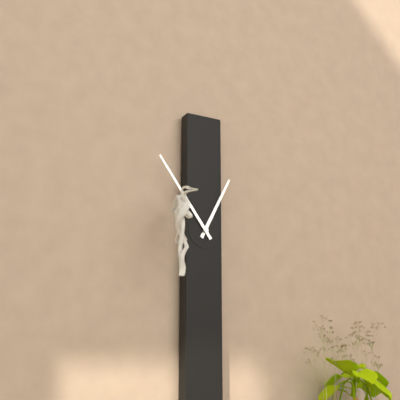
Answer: 12,54
